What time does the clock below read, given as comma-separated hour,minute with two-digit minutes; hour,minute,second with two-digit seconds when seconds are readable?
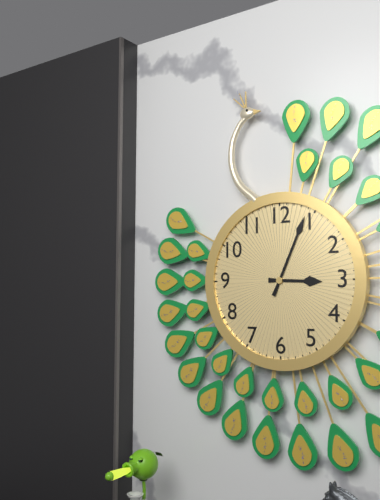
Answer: 3,04
